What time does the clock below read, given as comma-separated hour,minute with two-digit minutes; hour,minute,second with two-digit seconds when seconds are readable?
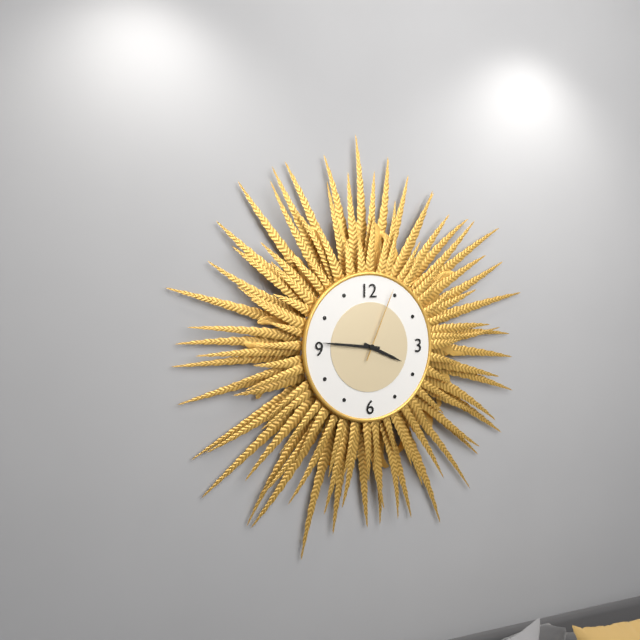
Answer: 3,46,04
